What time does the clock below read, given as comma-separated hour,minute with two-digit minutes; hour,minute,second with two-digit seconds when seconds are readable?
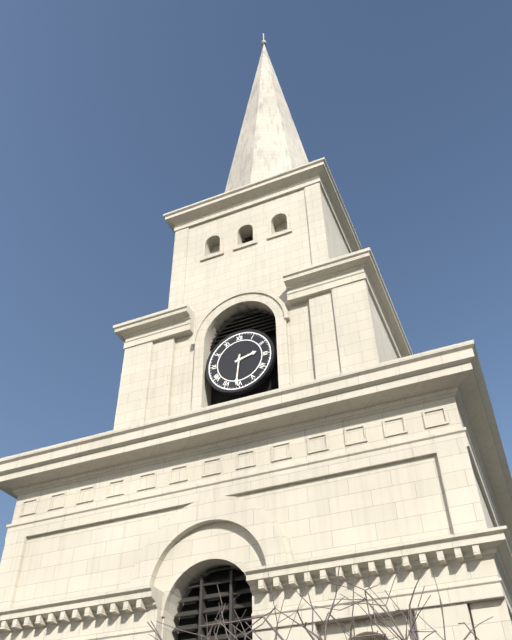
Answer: 2,31
